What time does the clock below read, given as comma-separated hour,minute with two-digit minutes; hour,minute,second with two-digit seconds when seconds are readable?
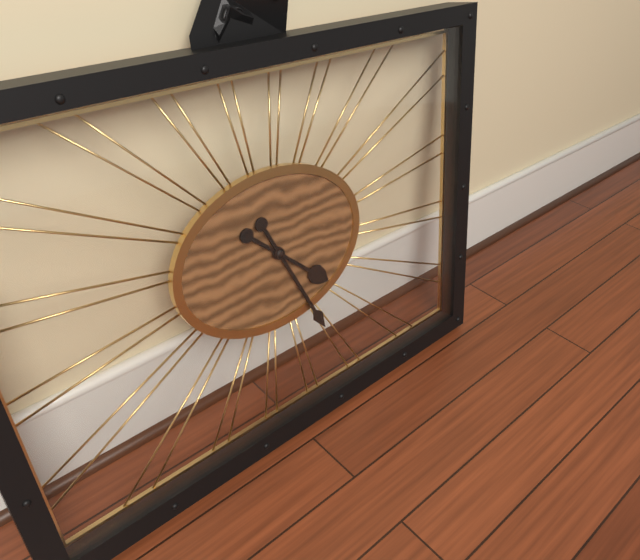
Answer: 4,26
